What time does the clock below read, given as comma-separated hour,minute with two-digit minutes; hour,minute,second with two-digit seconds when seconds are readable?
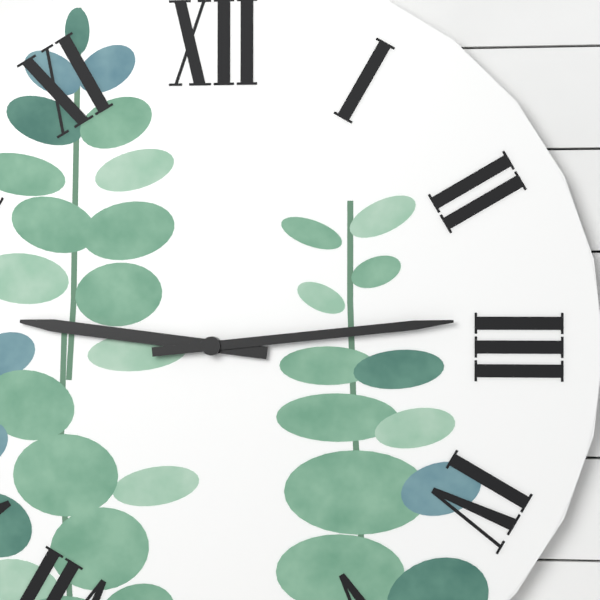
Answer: 9,14
